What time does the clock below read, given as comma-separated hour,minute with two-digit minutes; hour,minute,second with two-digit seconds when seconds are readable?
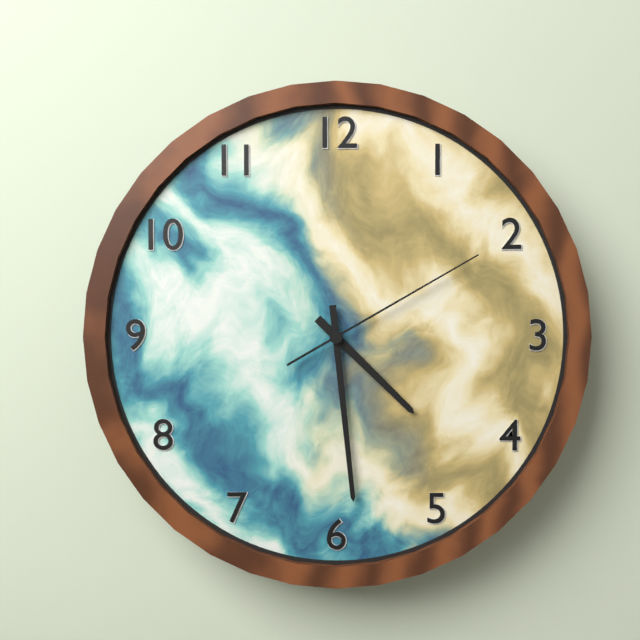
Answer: 4,29,10
